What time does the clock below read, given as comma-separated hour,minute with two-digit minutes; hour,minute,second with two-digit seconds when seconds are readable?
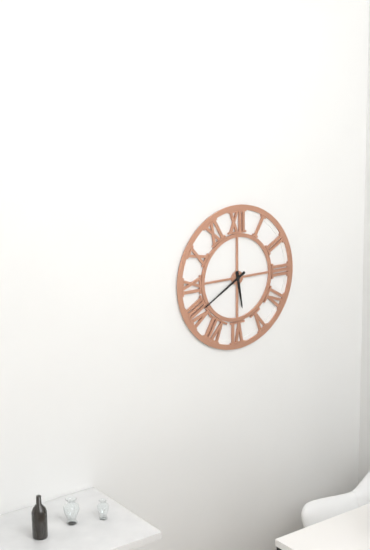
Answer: 5,40
